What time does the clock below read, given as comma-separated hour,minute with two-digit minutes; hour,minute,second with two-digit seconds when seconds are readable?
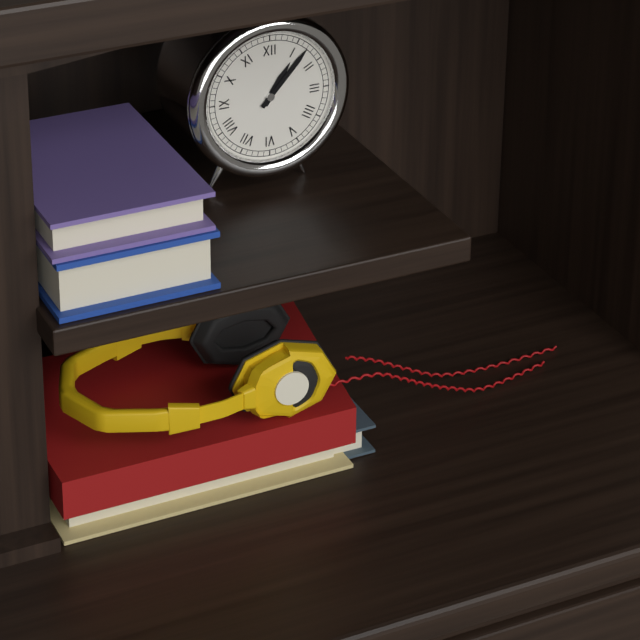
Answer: 1,07
